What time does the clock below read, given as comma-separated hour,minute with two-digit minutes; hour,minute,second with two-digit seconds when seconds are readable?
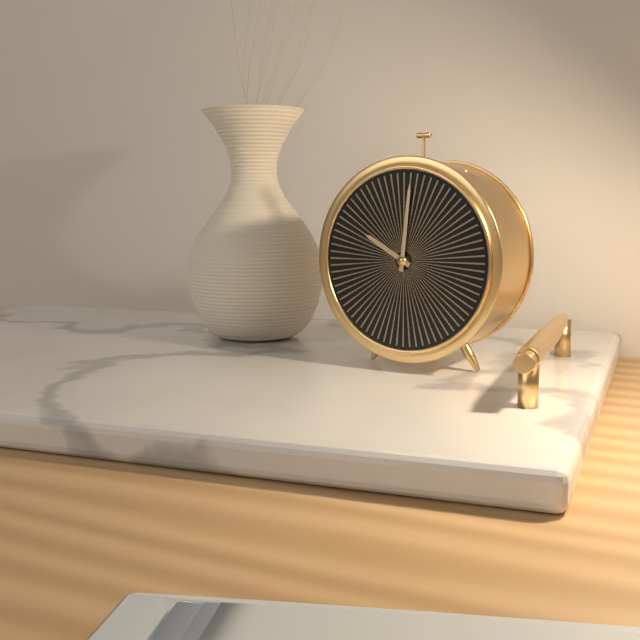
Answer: 10,01
